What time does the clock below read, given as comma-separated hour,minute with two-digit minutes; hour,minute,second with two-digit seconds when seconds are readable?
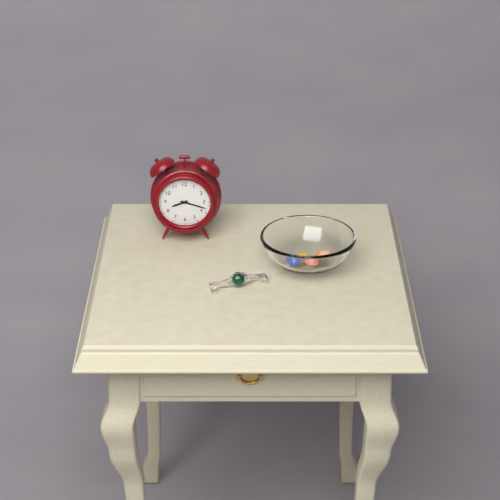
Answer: 8,18
